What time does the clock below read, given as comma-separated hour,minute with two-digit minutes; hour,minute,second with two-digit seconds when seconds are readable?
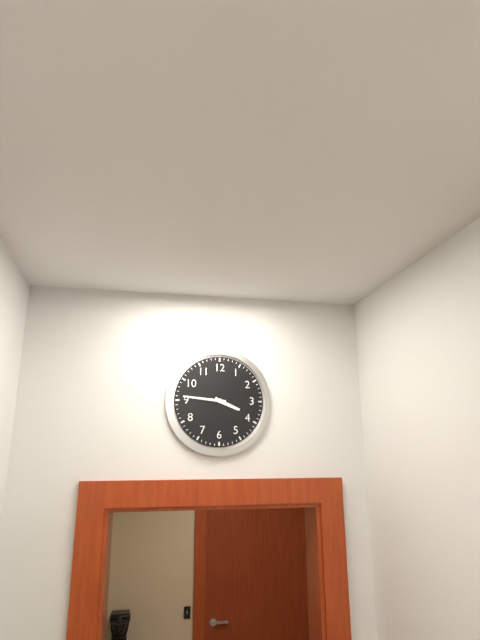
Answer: 3,46
